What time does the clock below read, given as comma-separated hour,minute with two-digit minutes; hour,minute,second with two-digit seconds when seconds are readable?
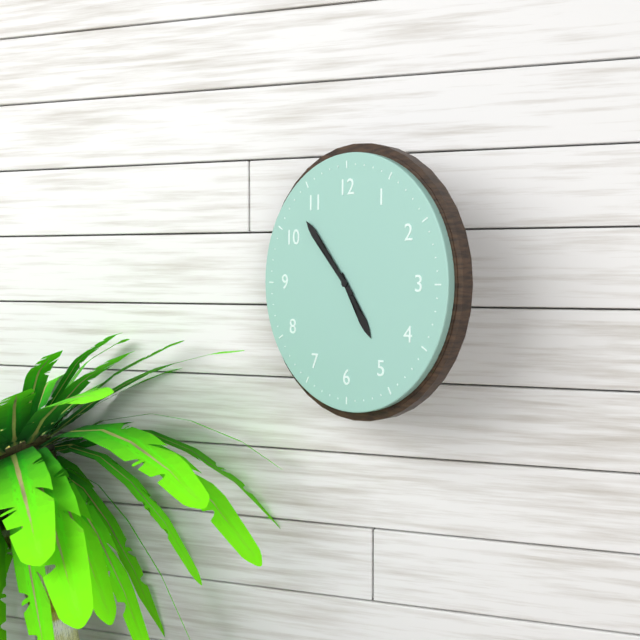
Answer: 4,53
